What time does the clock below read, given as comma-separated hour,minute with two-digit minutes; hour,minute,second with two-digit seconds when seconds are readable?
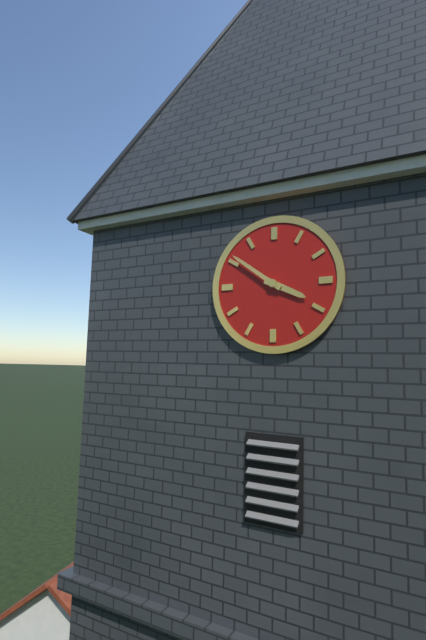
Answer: 3,51
